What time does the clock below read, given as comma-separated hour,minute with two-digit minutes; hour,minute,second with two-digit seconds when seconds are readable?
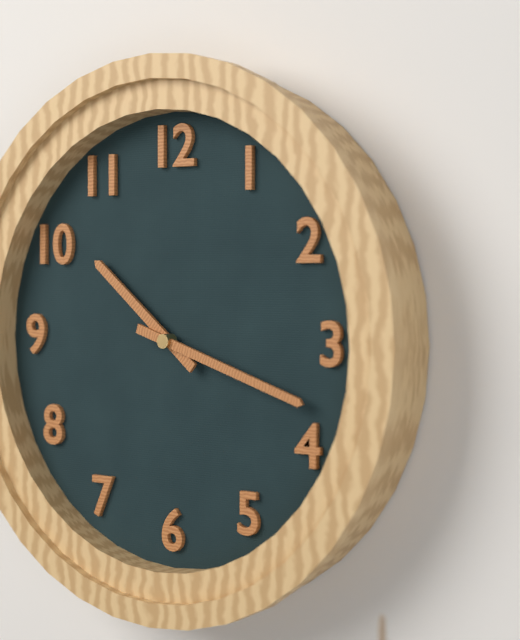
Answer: 10,18
